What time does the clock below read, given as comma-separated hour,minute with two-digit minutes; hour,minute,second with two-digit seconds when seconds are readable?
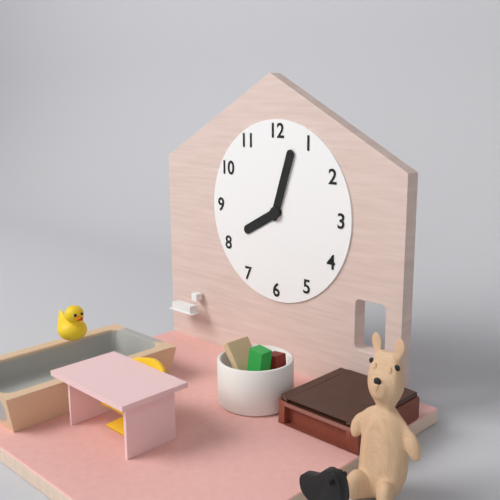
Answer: 8,03
